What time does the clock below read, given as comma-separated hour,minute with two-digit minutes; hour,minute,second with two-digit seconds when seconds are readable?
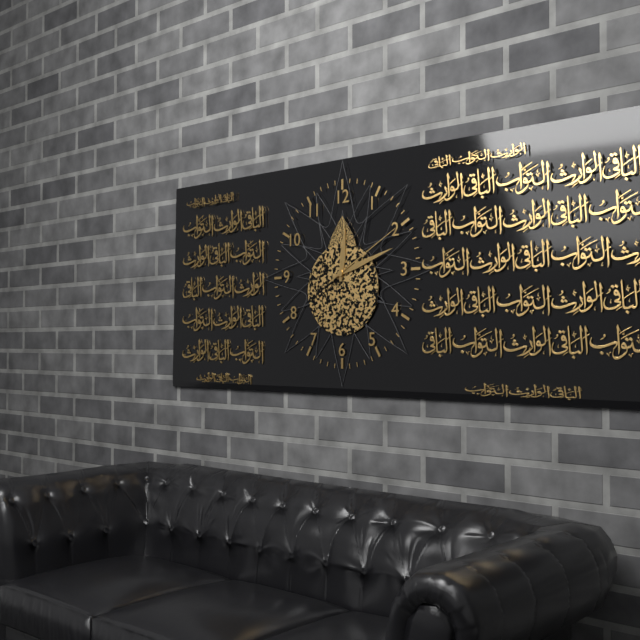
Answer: 12,12,10
